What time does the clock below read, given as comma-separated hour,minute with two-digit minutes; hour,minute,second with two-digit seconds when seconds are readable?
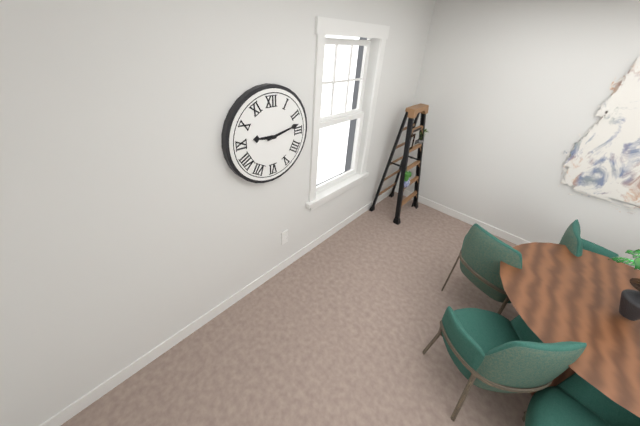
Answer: 9,13
